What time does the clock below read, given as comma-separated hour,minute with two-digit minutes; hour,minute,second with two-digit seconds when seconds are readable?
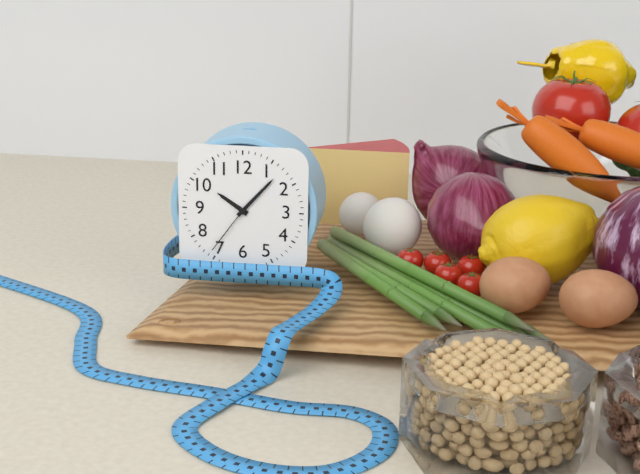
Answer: 10,07,36
